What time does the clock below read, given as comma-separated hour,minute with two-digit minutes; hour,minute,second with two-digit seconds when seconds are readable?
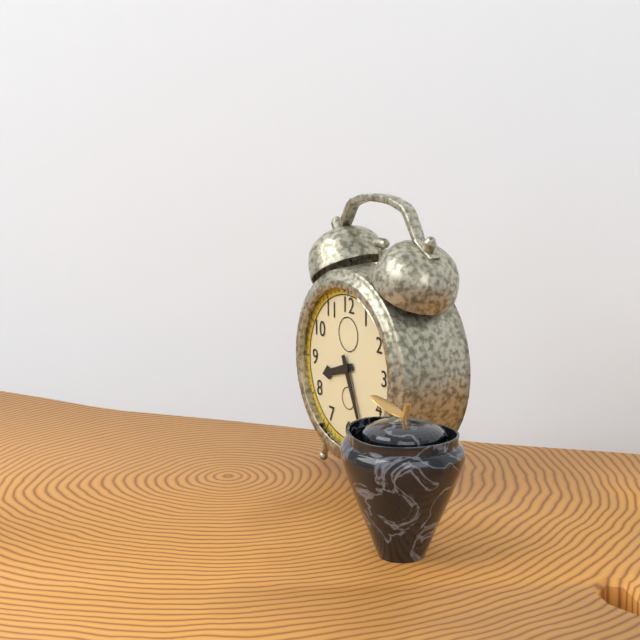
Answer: 8,26
